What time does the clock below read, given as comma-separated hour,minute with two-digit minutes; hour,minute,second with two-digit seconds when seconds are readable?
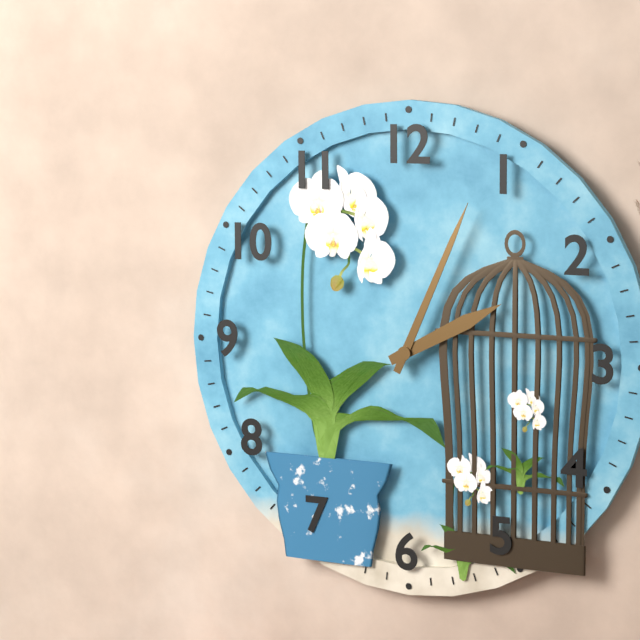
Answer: 2,04
